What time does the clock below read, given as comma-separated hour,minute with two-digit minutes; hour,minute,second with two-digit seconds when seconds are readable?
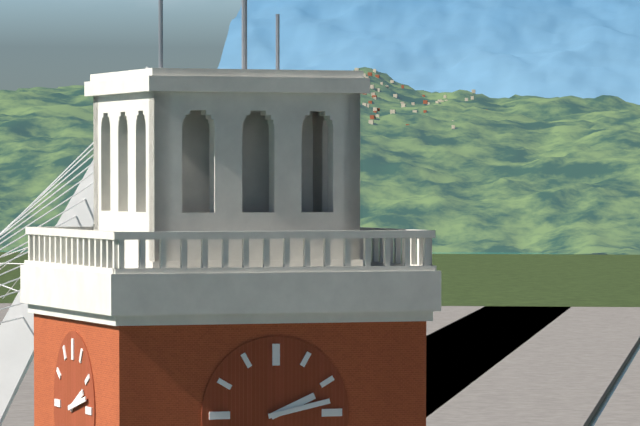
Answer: 2,13
